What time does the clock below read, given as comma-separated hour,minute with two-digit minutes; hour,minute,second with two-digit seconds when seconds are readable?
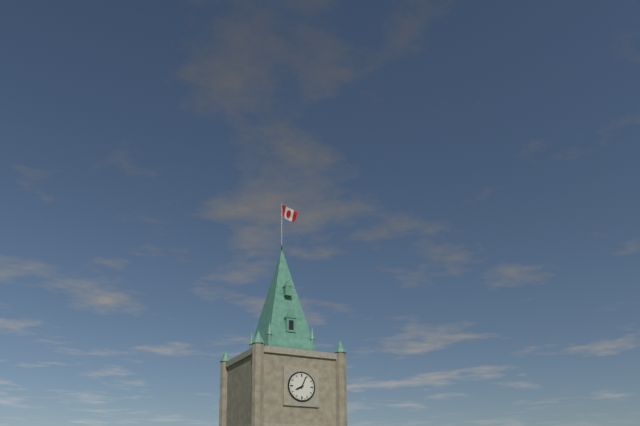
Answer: 8,04
